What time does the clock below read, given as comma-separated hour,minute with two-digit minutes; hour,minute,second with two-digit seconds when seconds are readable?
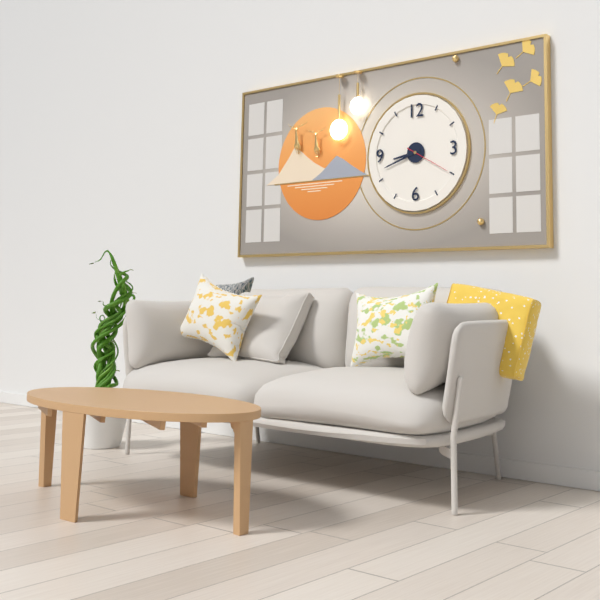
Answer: 8,42
